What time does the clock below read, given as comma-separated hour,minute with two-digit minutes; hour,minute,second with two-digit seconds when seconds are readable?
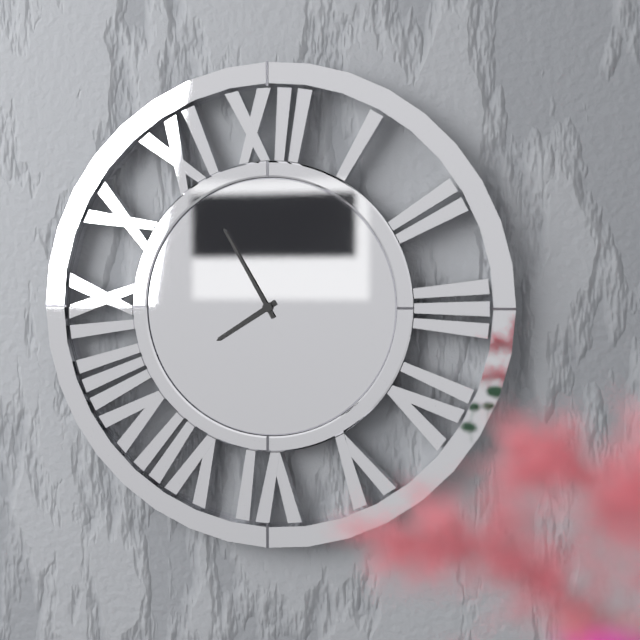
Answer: 7,55
